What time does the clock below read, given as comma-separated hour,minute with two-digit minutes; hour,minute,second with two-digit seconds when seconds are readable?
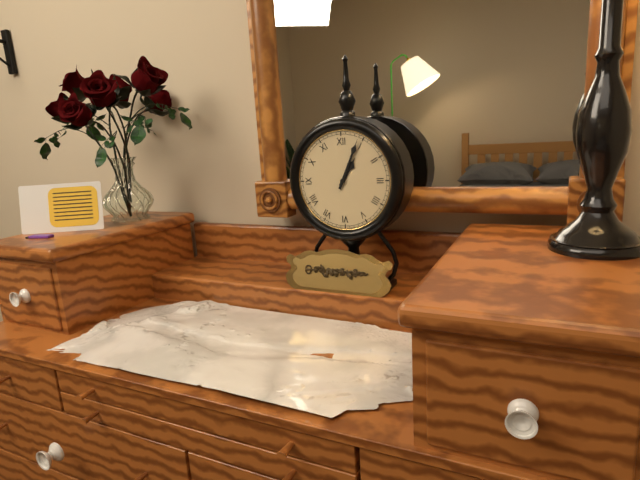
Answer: 1,04
